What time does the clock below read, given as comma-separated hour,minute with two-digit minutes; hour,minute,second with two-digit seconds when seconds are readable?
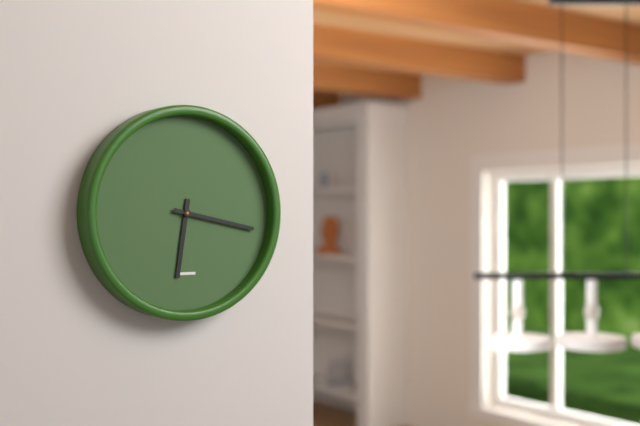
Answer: 6,17
